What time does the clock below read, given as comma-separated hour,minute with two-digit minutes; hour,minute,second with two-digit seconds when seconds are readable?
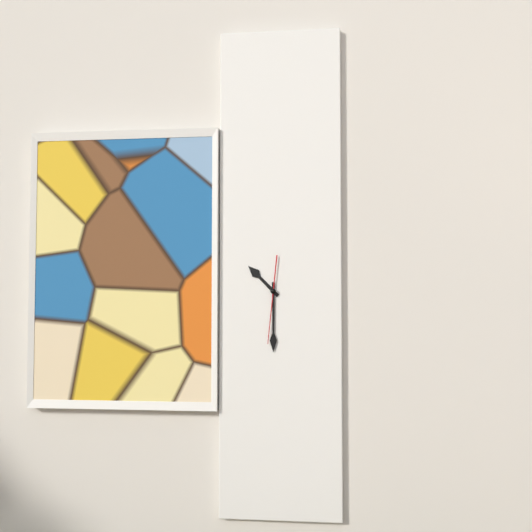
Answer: 10,30,31
